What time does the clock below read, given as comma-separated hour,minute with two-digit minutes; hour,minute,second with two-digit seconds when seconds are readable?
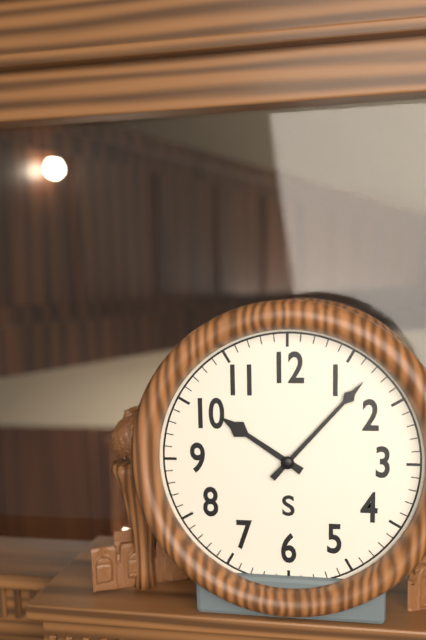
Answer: 10,07
